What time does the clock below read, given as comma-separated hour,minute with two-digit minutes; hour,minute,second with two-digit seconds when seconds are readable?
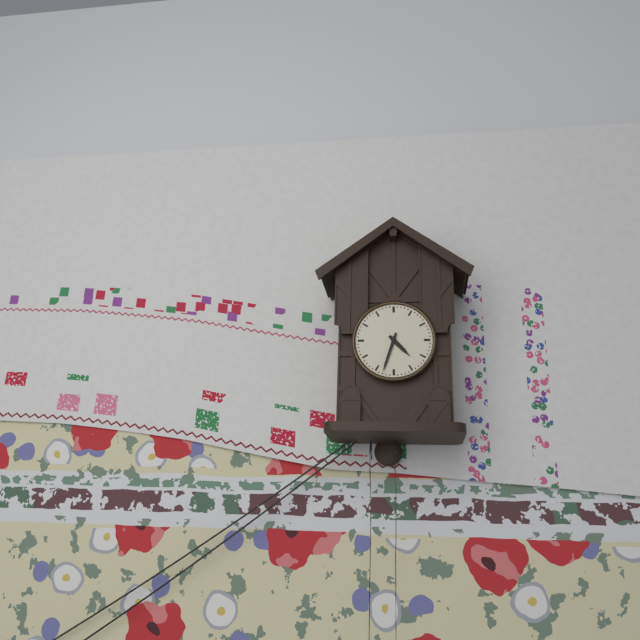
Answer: 4,33
